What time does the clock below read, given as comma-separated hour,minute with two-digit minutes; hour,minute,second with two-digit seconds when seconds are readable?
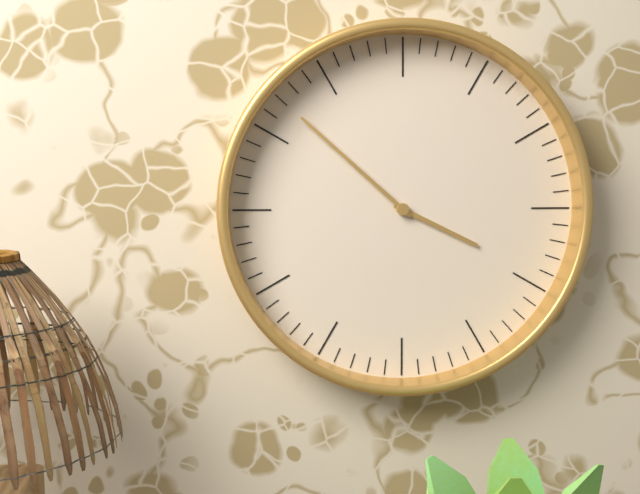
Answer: 3,52
